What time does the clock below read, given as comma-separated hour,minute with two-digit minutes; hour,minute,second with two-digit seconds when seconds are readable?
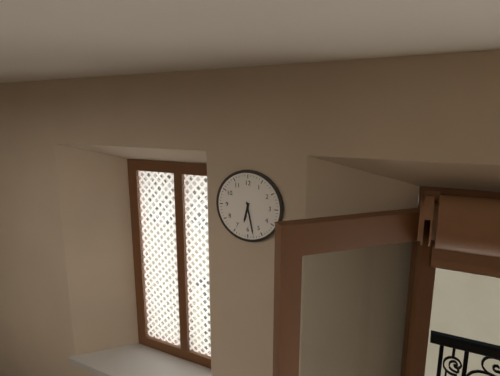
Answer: 6,28
